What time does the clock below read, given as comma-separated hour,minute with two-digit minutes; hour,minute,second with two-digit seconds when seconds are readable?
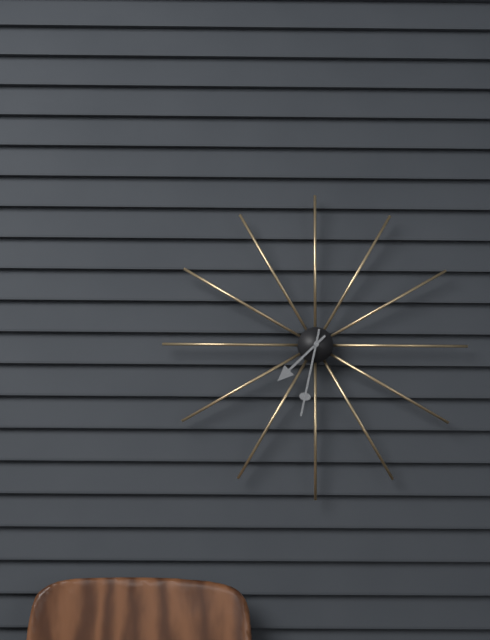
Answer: 7,32
